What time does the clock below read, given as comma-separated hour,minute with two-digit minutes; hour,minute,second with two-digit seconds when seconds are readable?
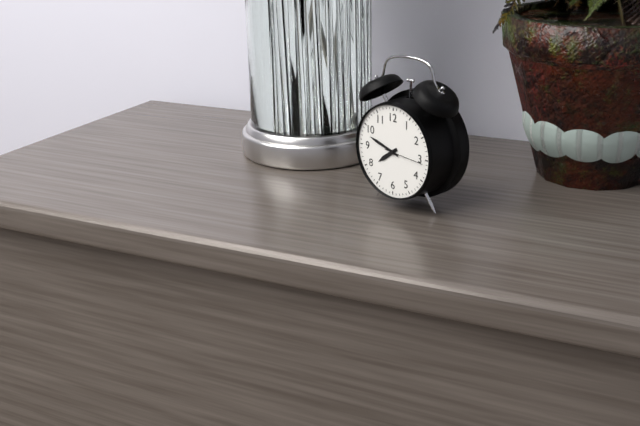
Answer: 7,48
